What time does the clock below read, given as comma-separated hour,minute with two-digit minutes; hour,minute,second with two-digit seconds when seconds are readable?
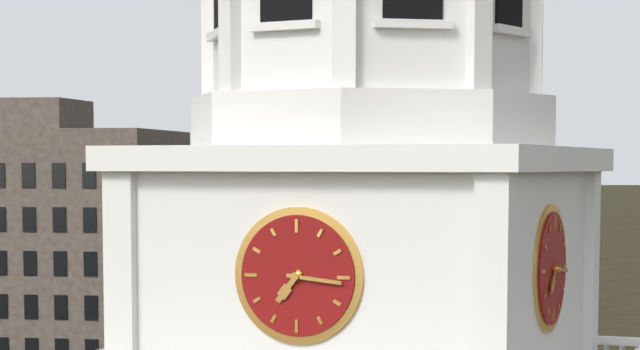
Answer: 7,16
